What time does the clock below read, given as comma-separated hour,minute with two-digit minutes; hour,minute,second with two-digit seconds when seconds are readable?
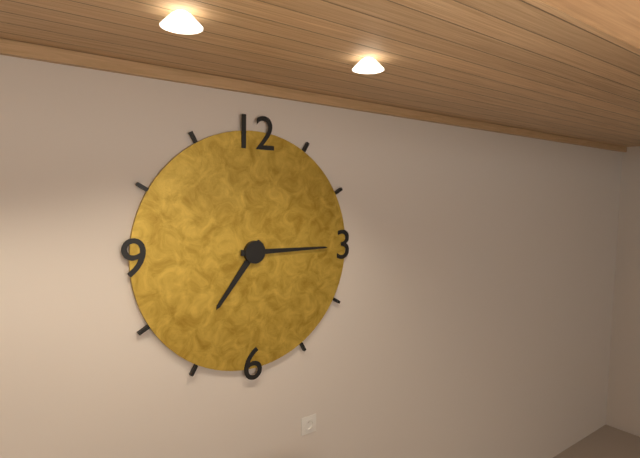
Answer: 7,15
